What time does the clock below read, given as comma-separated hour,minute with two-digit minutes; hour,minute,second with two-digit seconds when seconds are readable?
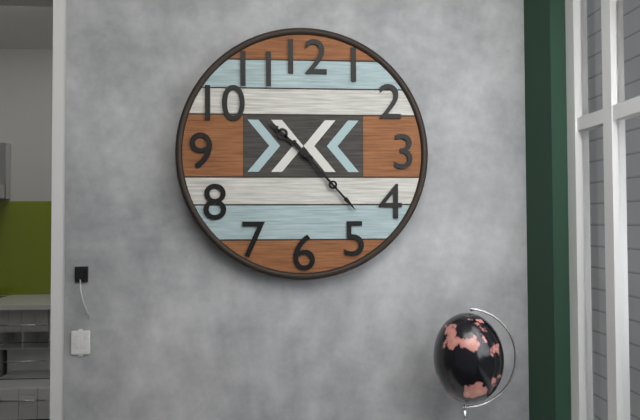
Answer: 10,23
